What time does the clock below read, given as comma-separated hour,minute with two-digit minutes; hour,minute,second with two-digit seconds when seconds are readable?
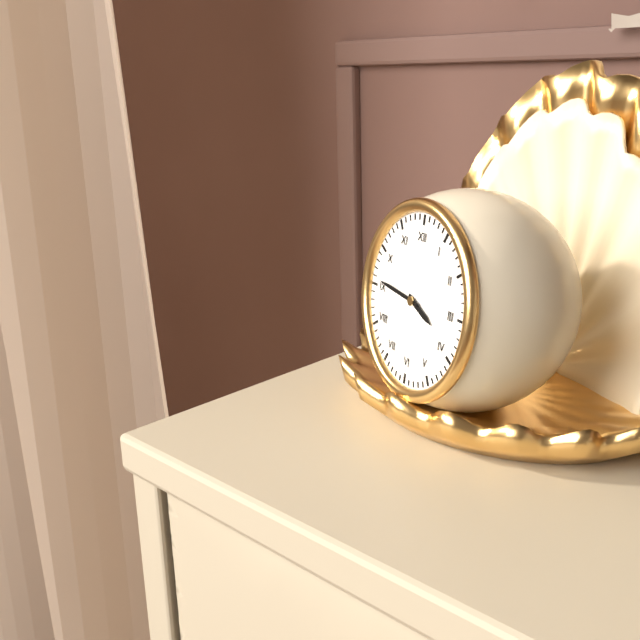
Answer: 3,46
